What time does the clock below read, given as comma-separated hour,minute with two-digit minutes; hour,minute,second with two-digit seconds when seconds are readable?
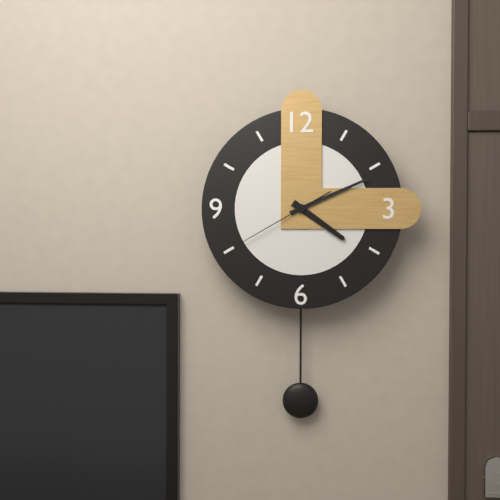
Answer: 4,11,40
